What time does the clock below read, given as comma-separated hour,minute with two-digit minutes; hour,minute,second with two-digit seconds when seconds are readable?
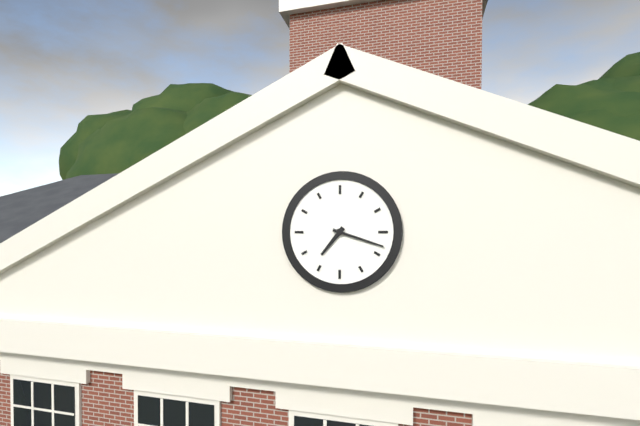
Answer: 7,18
